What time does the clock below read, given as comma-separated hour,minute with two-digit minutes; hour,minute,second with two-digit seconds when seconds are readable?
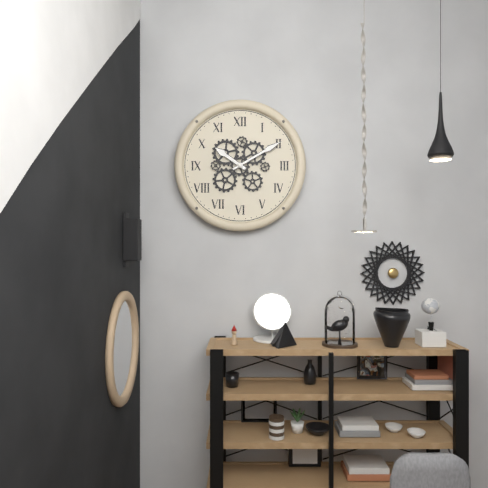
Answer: 10,10
